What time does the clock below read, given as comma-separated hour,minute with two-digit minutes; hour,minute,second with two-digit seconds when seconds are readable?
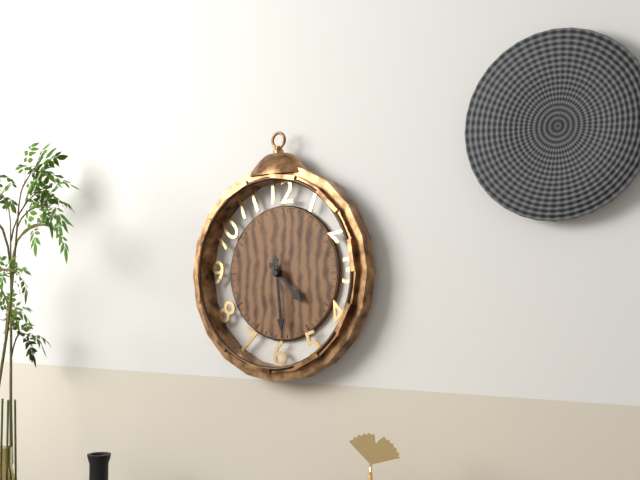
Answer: 4,29
